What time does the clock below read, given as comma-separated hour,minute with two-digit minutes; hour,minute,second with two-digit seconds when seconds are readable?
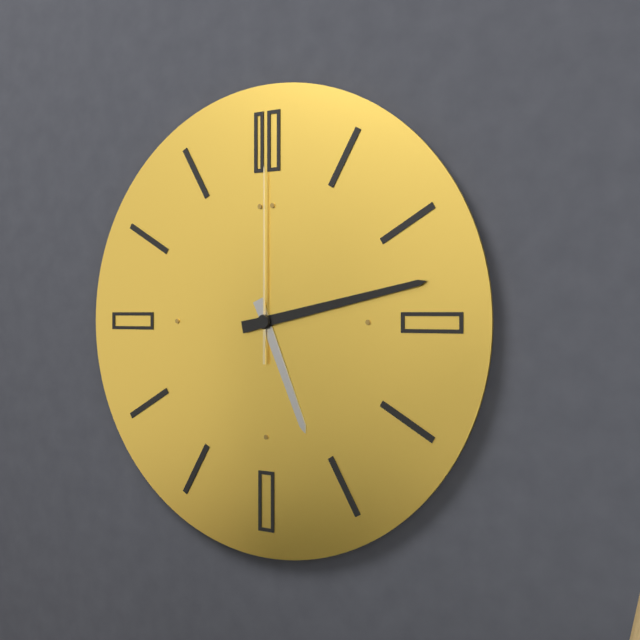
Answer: 5,13,00
